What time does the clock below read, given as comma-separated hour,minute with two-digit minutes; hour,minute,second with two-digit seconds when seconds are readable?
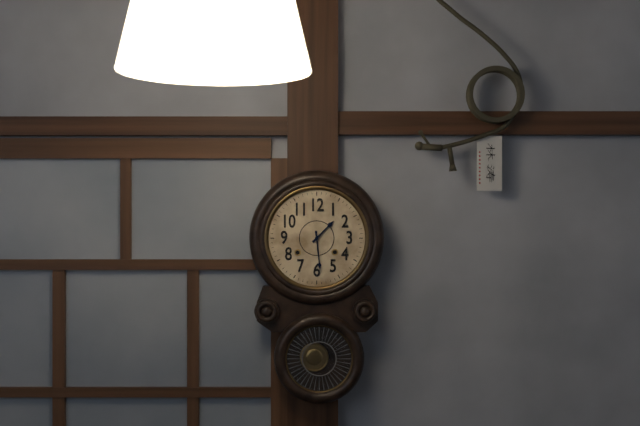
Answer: 1,29
